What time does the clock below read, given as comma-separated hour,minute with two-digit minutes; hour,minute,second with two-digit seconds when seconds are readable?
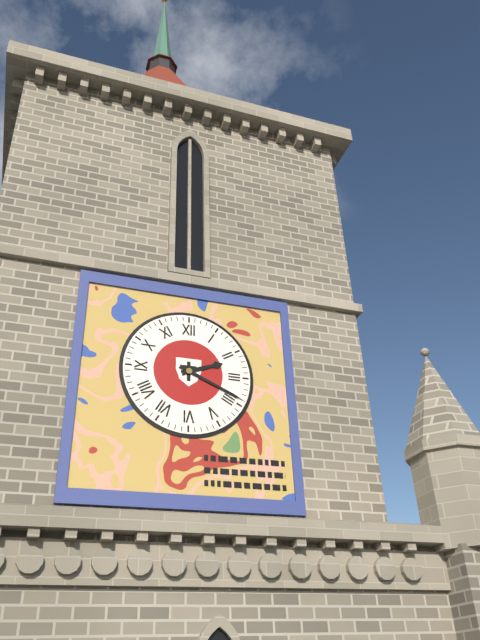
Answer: 2,19
